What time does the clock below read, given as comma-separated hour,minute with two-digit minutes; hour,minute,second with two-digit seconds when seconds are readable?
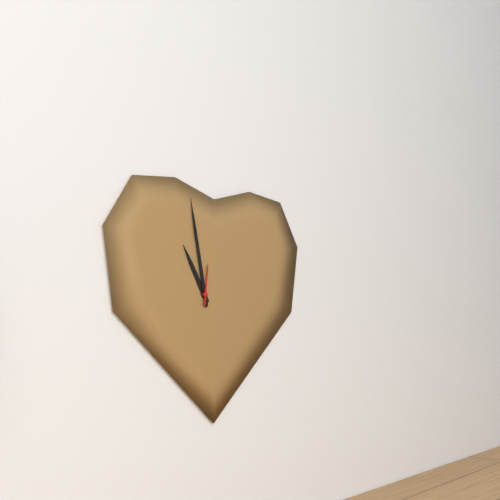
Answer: 10,58
